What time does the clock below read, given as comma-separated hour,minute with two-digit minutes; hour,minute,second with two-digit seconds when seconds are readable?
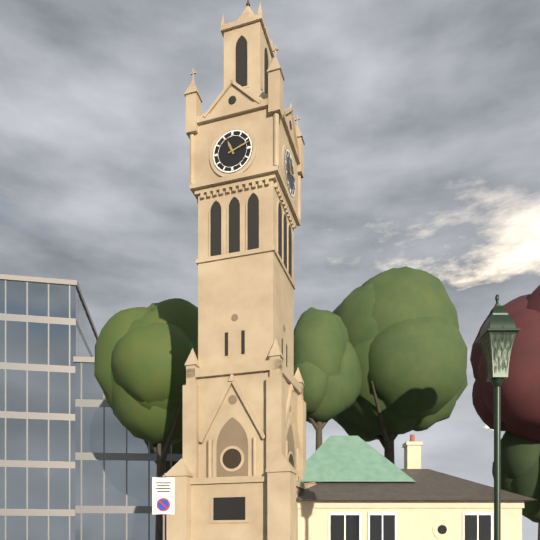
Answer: 11,12
